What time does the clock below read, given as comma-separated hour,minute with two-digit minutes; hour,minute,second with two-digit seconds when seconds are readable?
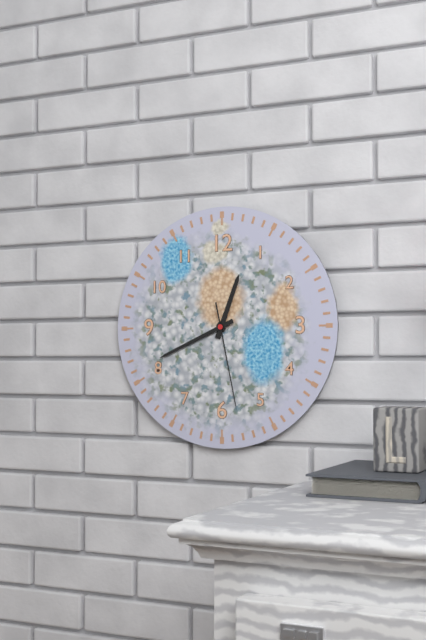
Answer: 12,41,28
